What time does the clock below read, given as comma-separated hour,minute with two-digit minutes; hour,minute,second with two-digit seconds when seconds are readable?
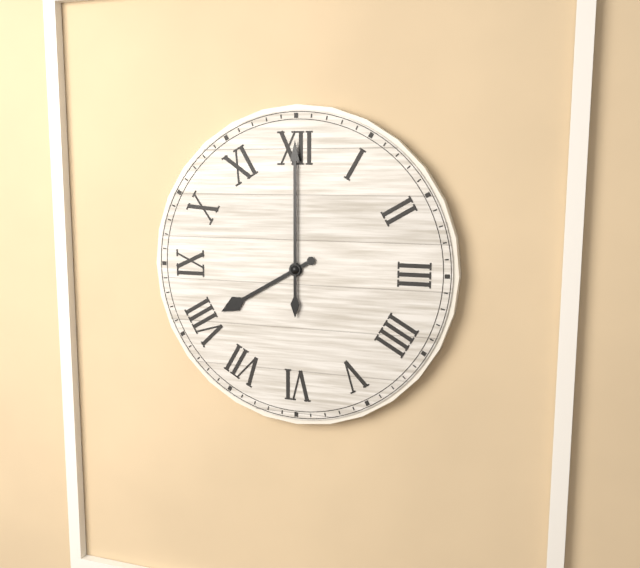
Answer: 8,00
